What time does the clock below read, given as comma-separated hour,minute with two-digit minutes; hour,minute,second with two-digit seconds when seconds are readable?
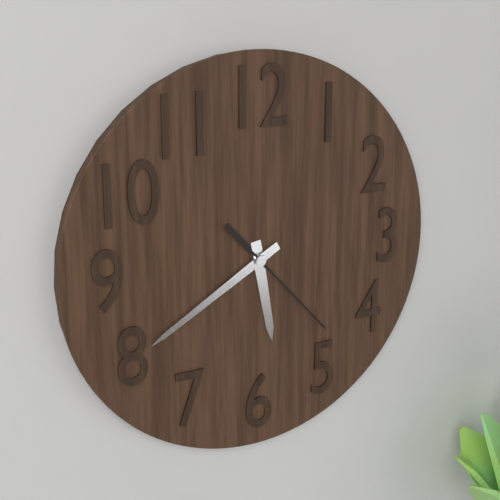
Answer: 5,40,23
